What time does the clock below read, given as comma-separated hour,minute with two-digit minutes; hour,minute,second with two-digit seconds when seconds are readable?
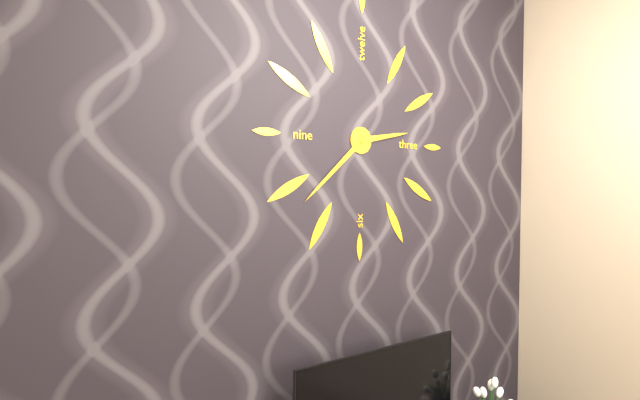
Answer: 2,38
